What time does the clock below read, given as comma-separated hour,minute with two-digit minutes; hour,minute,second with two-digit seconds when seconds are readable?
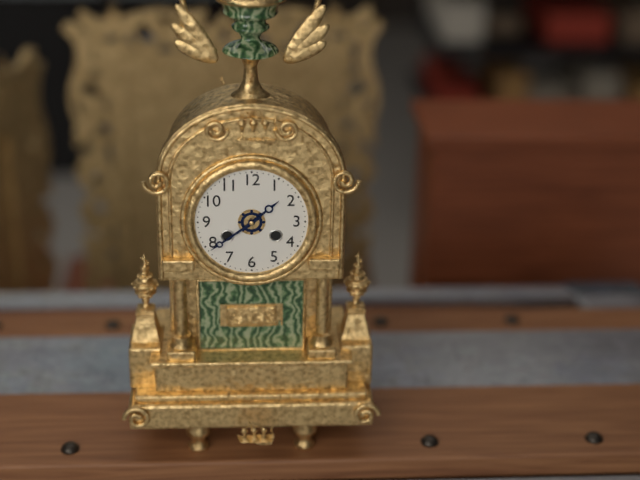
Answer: 1,39
